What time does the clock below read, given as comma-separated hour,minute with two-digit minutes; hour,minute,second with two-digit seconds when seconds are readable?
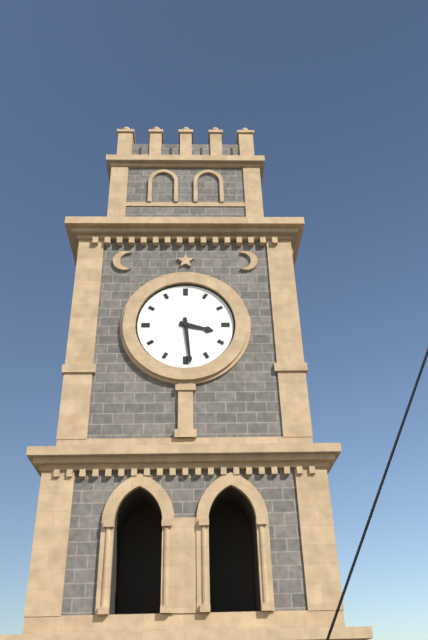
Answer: 3,29
